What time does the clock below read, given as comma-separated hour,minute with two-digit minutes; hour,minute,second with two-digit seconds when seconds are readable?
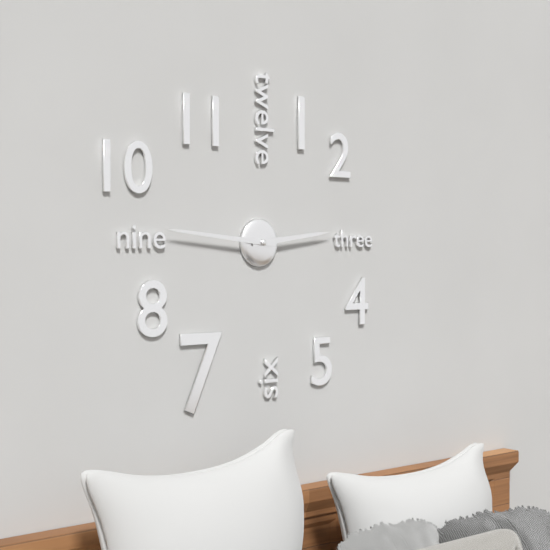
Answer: 2,46
